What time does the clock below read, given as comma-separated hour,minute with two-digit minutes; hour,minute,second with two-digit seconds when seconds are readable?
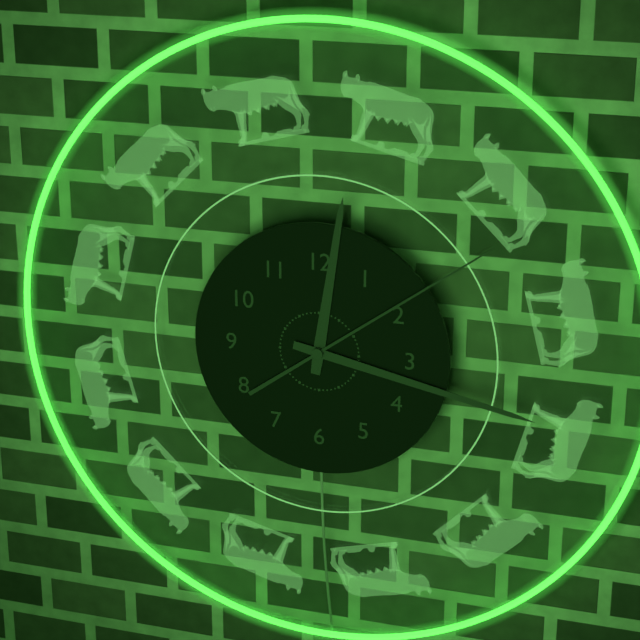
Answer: 12,17,09
